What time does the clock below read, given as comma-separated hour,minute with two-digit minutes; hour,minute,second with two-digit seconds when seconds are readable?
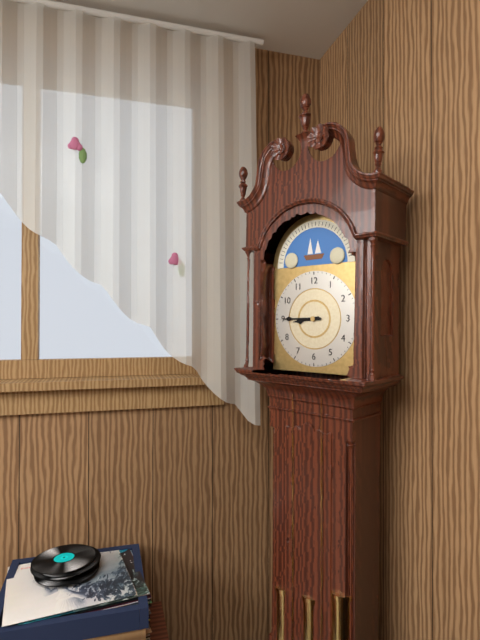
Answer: 8,45
